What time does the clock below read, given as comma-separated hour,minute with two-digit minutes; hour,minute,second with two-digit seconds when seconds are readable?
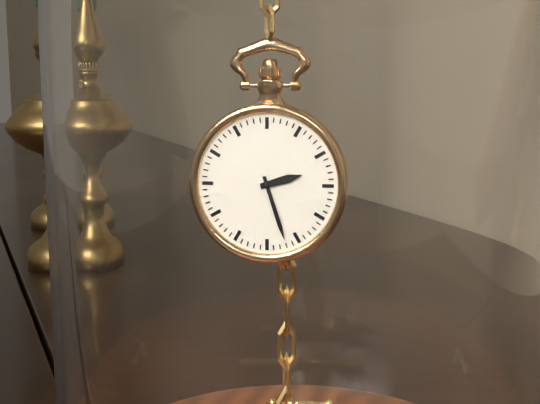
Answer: 2,27
